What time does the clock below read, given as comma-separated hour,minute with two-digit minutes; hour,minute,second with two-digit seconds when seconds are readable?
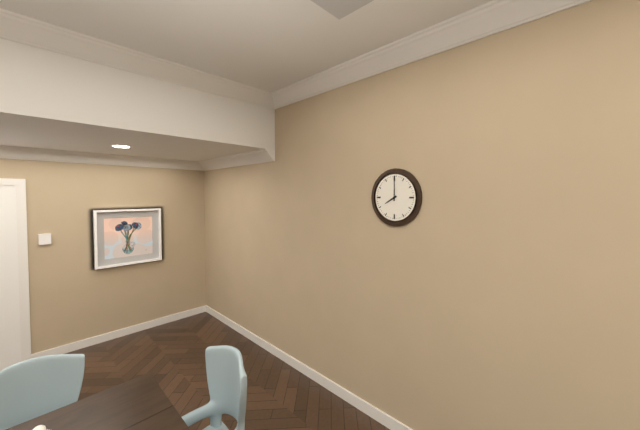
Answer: 8,00
